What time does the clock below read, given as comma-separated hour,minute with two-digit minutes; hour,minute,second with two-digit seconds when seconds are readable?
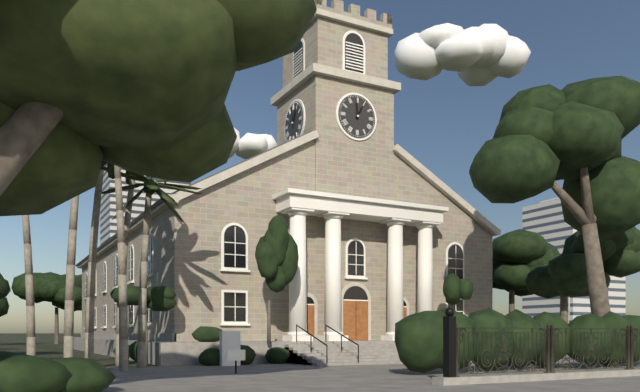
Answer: 12,59
